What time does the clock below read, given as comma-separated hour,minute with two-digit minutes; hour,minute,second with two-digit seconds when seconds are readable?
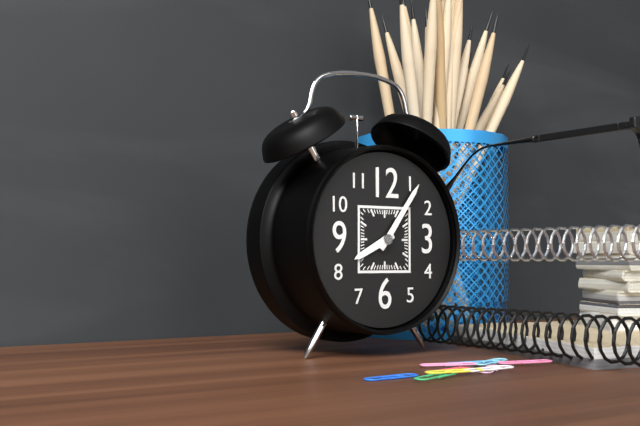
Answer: 8,06
